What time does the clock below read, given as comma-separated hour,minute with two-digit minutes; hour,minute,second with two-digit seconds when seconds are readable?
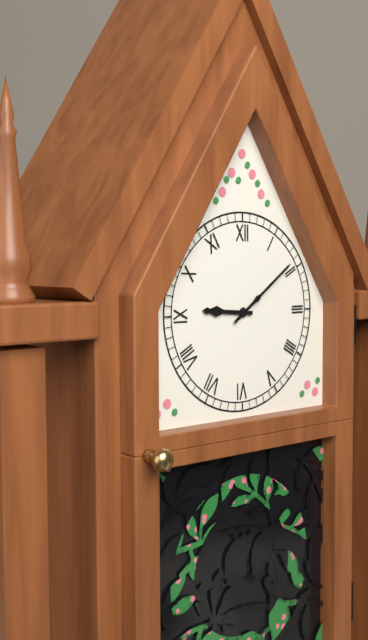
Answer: 9,09
